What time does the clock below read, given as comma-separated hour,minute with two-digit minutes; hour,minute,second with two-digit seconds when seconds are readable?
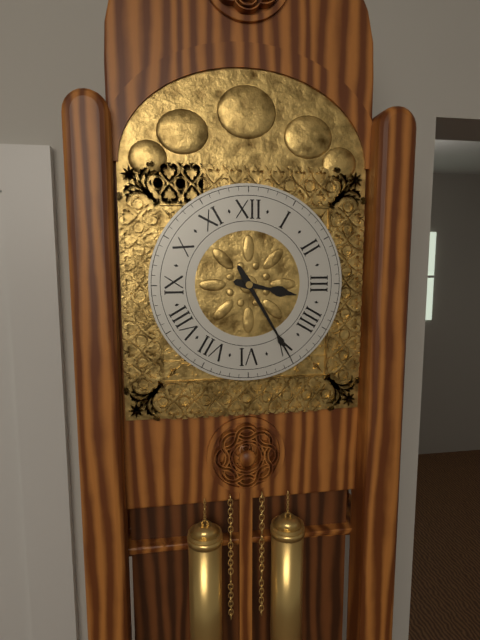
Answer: 3,25
